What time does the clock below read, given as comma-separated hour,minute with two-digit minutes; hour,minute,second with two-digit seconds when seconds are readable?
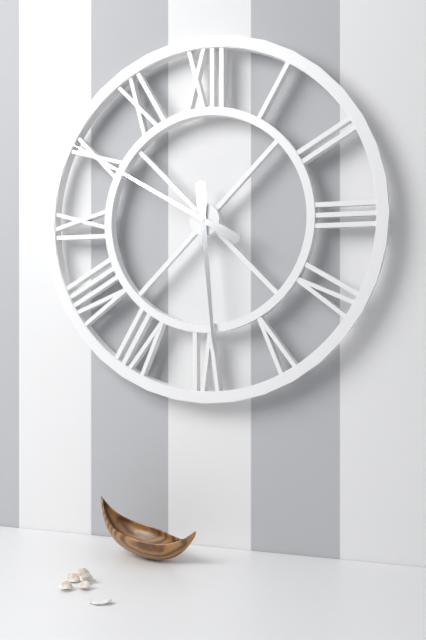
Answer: 5,50
